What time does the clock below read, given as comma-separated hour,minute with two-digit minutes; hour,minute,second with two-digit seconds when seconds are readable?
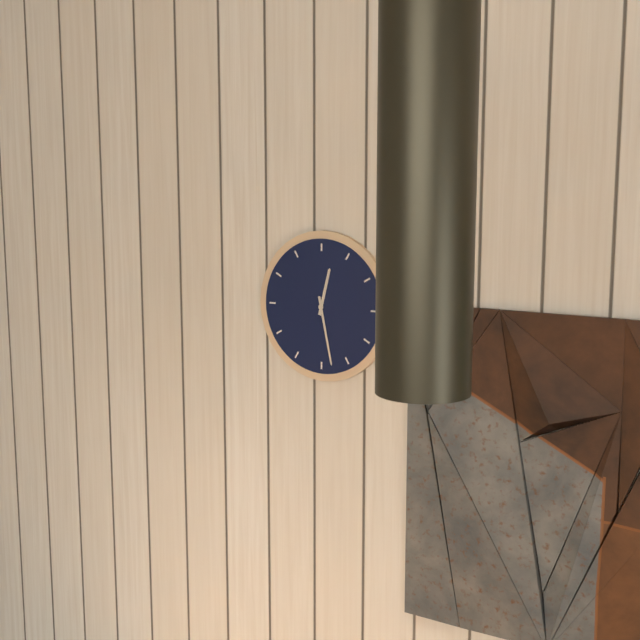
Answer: 12,28
